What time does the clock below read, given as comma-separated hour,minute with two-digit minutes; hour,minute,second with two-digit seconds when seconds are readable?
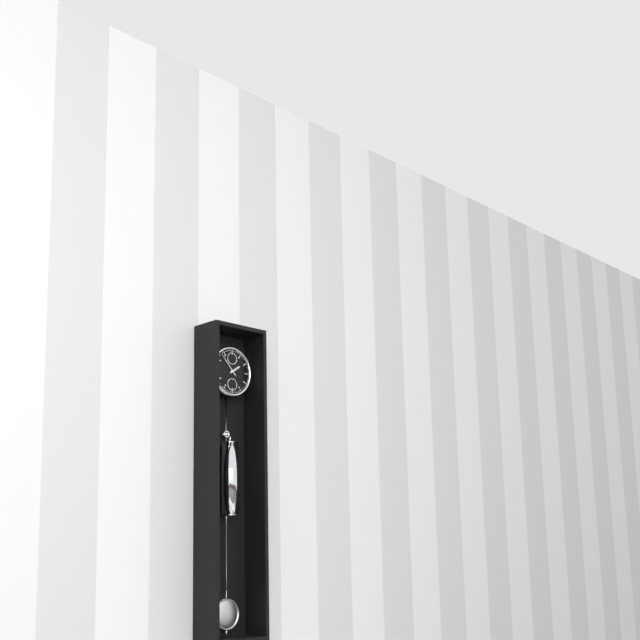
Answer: 1,53
